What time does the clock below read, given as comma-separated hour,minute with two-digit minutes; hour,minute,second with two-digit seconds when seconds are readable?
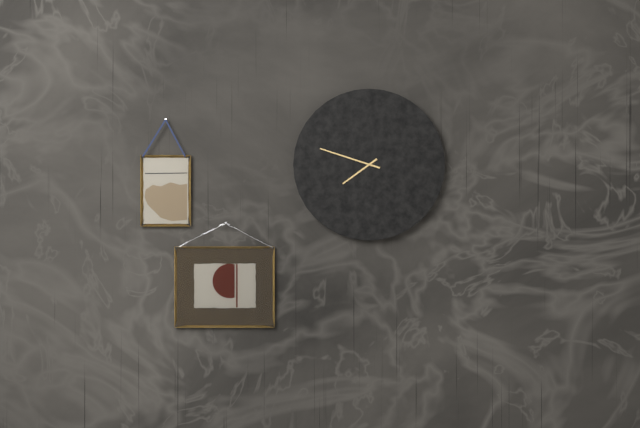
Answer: 7,48
